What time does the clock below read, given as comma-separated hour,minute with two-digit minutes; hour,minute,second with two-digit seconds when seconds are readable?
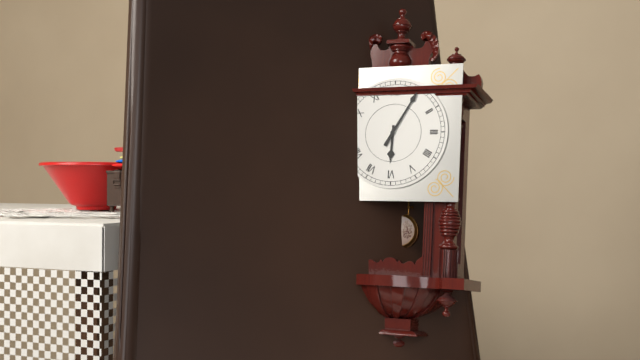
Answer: 6,05
